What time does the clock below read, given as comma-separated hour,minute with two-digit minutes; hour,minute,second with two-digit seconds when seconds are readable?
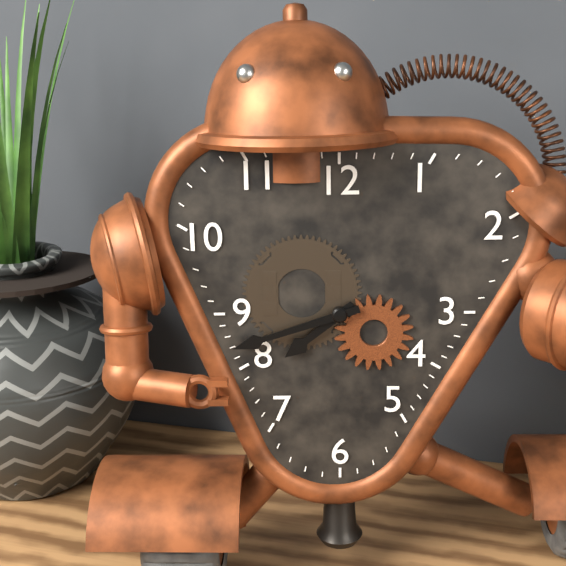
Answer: 7,42
